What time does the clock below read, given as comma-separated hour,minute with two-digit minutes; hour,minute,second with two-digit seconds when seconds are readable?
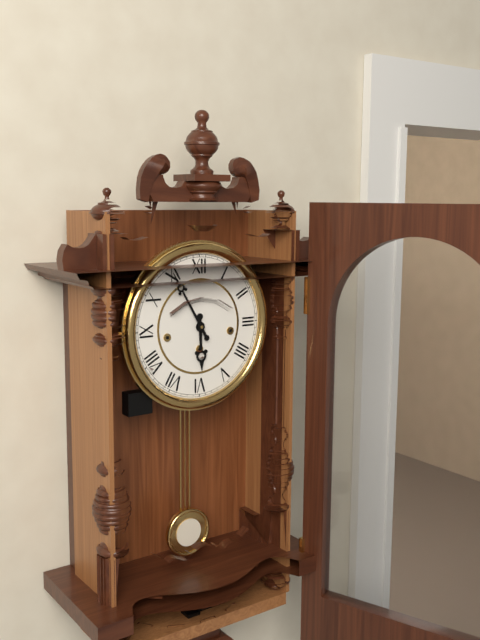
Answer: 5,55
